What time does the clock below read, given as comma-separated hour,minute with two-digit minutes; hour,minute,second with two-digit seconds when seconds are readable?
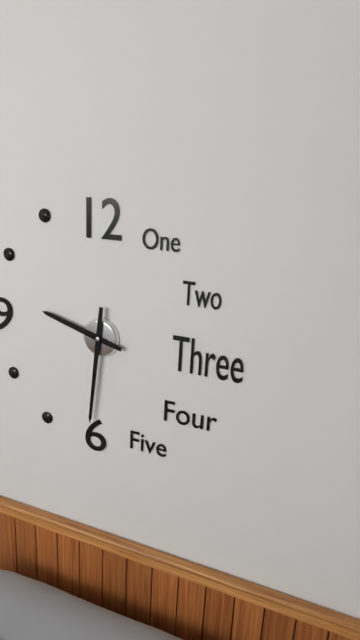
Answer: 9,31
